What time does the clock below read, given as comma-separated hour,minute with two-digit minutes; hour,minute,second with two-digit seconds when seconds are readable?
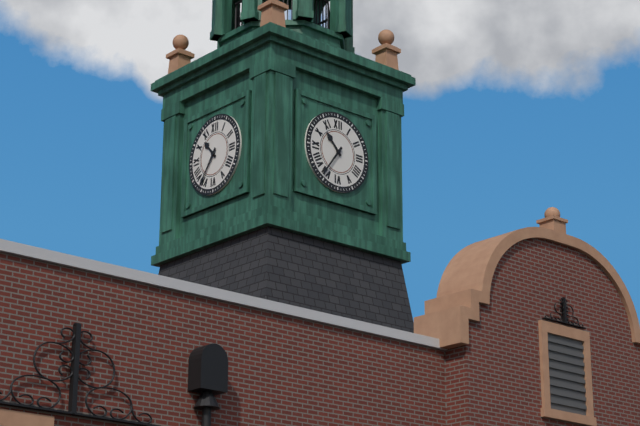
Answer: 10,36
